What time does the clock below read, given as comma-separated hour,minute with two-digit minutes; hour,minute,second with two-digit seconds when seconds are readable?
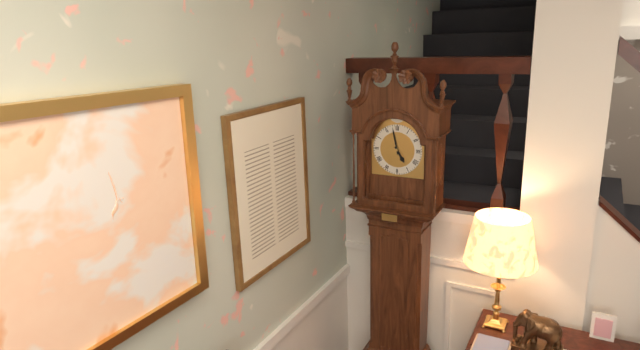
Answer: 4,58
